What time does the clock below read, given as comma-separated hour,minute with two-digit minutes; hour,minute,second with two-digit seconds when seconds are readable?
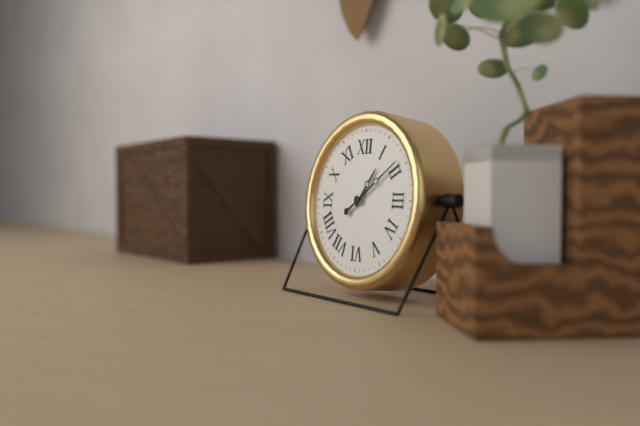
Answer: 1,09
